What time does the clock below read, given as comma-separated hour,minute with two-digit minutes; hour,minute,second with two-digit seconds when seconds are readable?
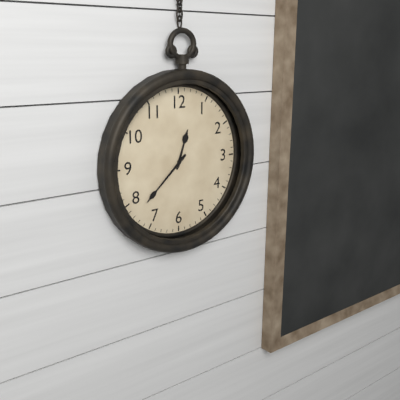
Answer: 12,38
